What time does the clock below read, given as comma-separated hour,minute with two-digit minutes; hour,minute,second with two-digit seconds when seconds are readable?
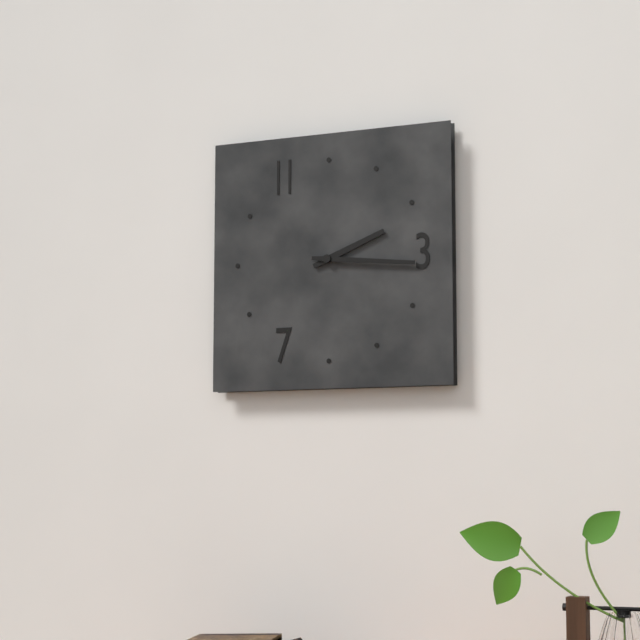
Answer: 2,16
